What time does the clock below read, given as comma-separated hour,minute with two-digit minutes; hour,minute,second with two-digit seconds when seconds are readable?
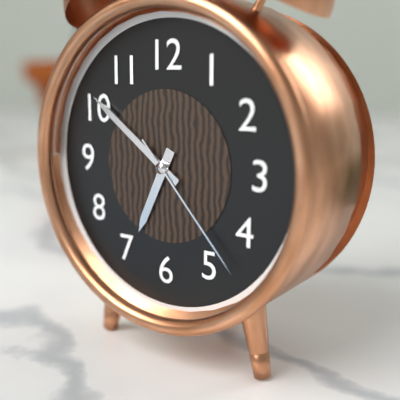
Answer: 6,51,23
